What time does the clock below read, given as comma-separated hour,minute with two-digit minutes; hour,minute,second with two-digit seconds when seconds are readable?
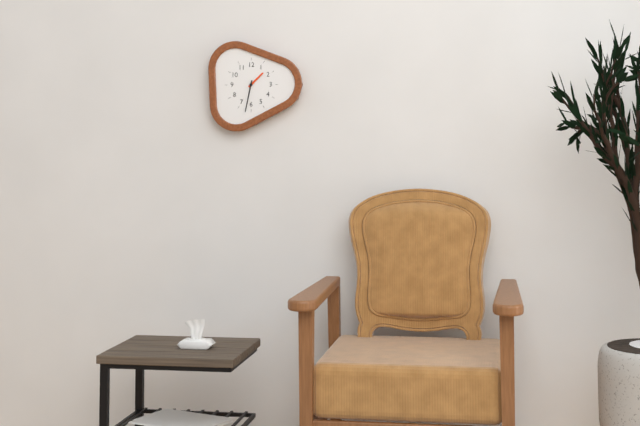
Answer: 1,32
